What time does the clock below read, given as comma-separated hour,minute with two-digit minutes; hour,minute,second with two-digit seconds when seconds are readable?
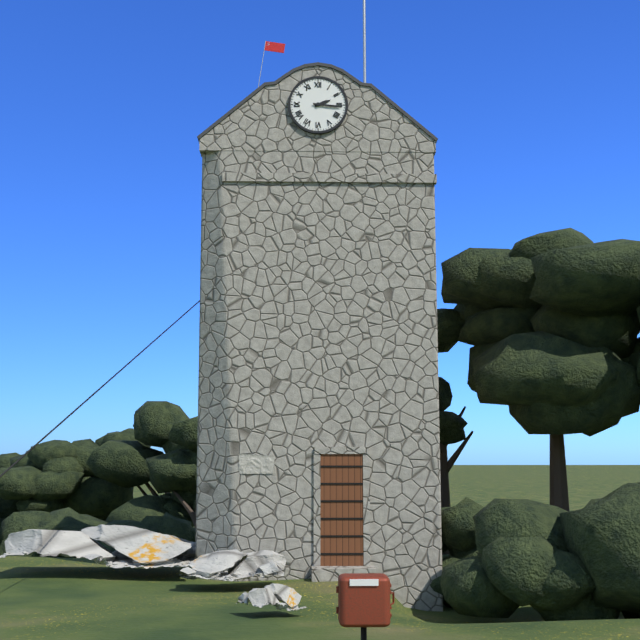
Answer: 2,16
